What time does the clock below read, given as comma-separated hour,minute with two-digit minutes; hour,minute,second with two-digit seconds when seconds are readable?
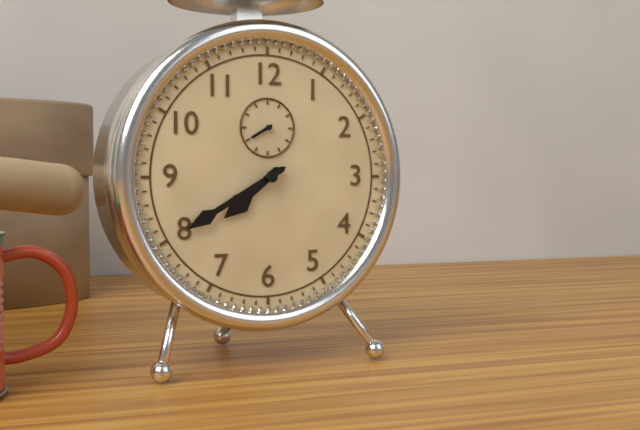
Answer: 7,40
